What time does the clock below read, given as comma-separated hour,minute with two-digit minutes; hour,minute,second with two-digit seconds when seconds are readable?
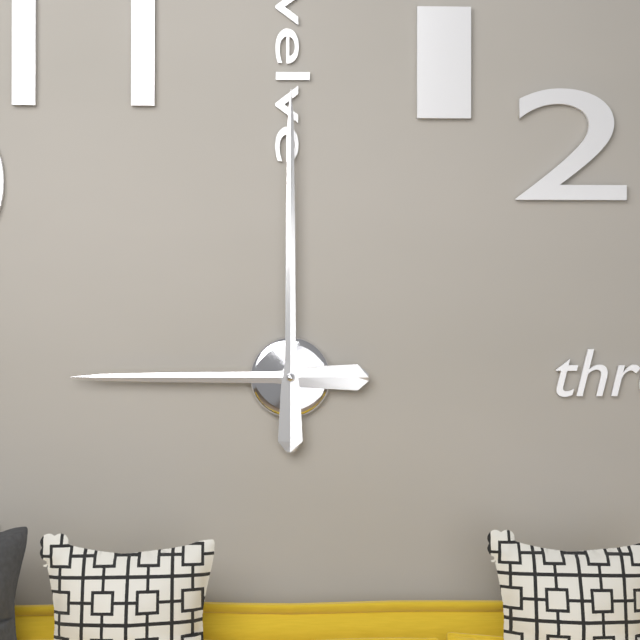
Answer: 9,00
